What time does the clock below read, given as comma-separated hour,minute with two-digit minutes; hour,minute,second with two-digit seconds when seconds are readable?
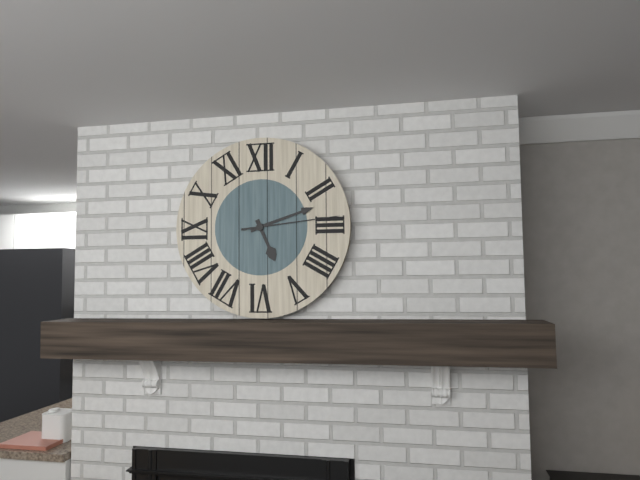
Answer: 5,12,14
